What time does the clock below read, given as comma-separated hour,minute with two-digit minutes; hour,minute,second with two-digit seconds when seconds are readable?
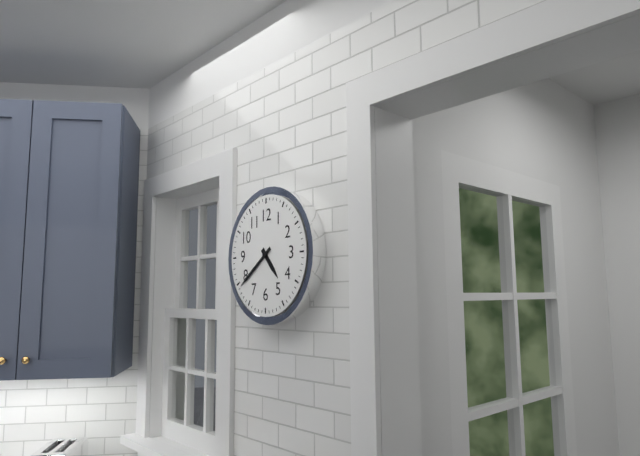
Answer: 4,39
